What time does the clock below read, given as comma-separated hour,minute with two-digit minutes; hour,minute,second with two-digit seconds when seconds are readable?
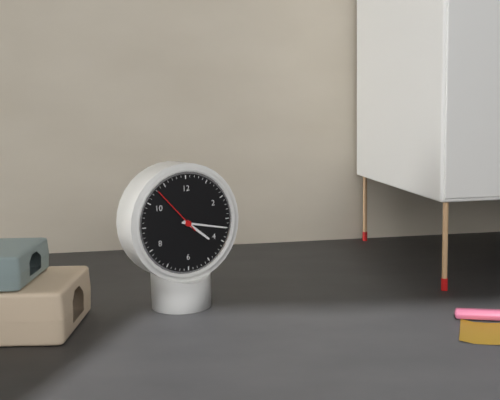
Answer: 4,17,53
